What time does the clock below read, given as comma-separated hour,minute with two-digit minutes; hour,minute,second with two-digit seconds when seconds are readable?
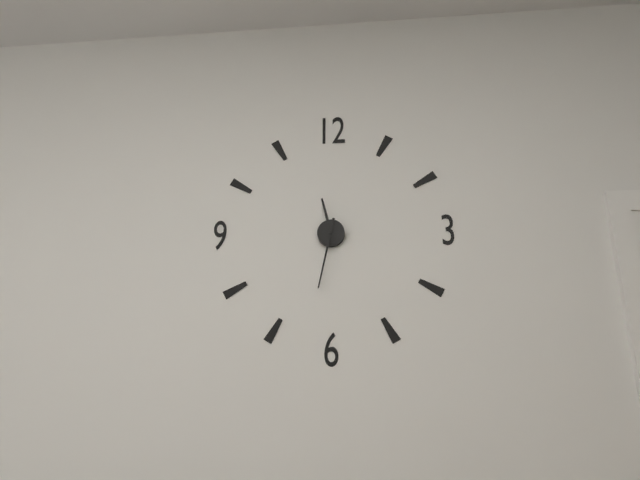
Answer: 11,32
